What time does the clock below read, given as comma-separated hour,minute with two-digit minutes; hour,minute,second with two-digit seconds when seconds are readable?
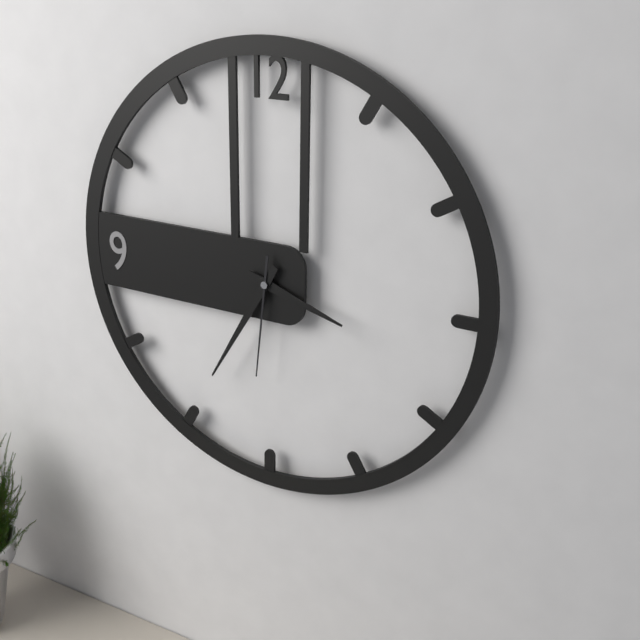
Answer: 3,35,31
